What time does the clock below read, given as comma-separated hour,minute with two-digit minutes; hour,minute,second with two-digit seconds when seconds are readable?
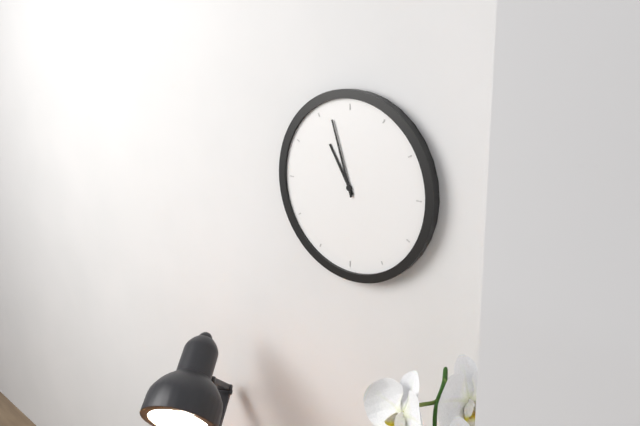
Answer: 10,57
